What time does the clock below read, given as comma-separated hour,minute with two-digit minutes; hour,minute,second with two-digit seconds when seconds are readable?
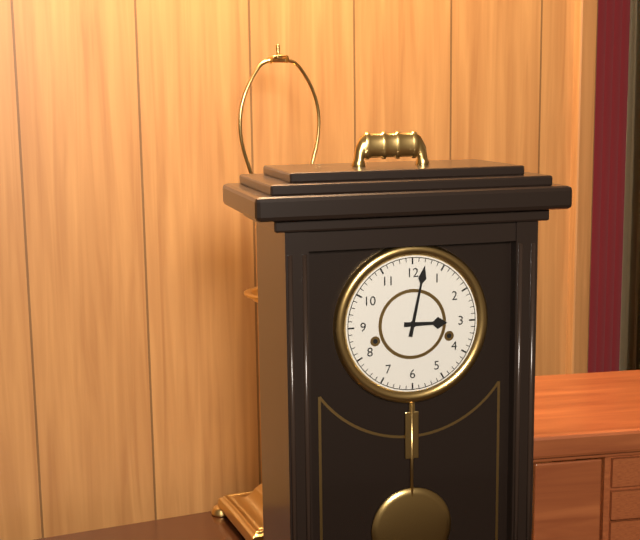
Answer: 3,02
